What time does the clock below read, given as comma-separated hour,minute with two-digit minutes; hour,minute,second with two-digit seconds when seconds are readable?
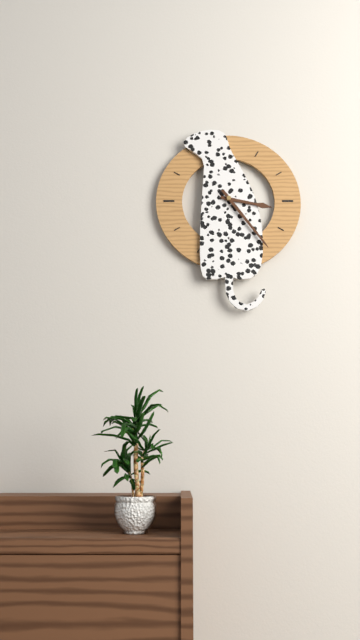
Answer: 3,24
